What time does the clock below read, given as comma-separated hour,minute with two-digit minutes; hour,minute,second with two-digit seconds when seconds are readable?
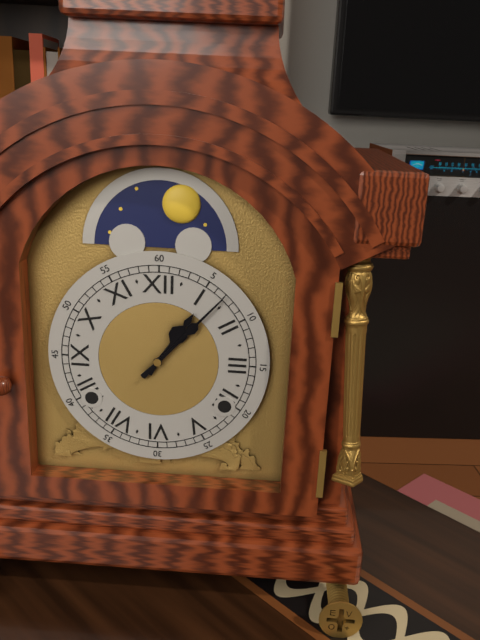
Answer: 1,07
